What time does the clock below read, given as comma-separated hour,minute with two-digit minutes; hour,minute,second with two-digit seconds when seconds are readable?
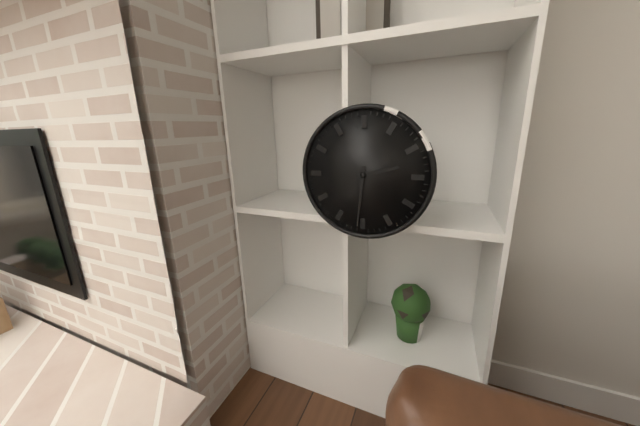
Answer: 2,31
